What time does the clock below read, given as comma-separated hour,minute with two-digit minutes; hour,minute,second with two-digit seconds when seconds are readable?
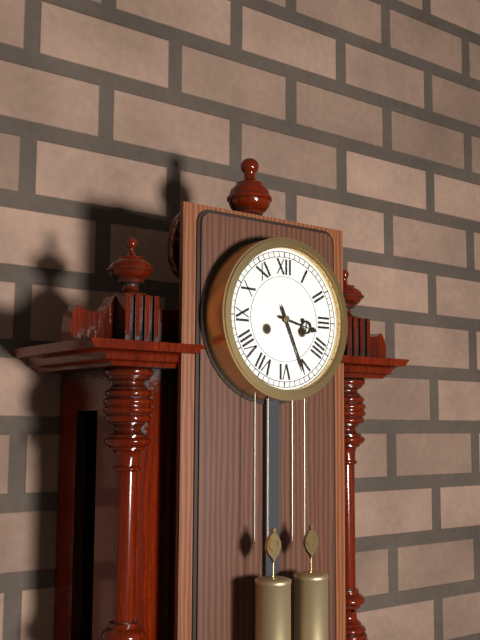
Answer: 3,26
